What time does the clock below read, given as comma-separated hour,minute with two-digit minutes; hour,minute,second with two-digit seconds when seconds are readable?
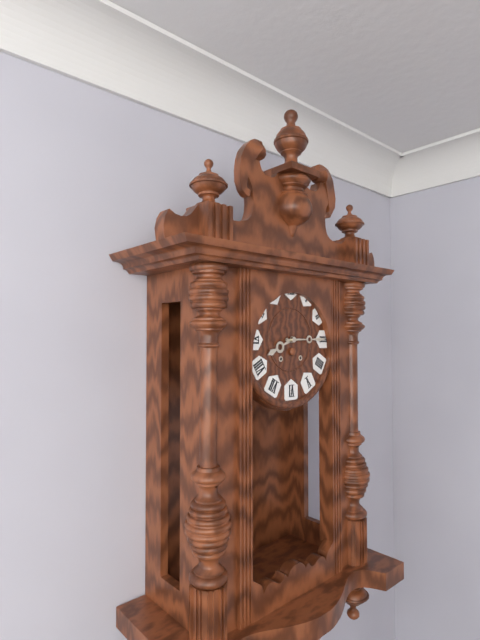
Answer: 8,15
